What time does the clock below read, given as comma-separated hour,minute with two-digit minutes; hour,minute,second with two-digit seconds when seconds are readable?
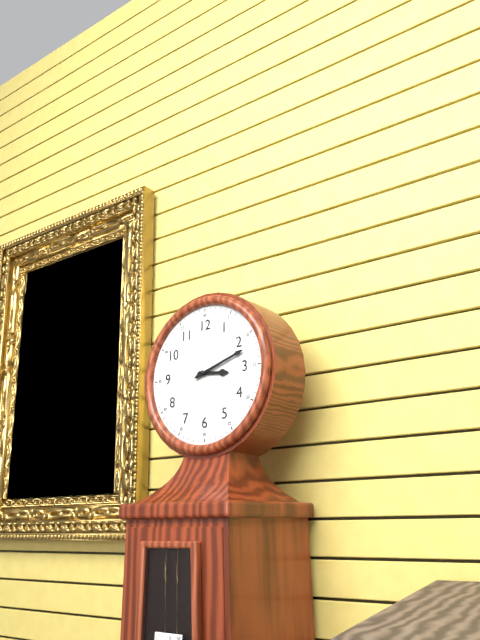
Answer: 3,12
